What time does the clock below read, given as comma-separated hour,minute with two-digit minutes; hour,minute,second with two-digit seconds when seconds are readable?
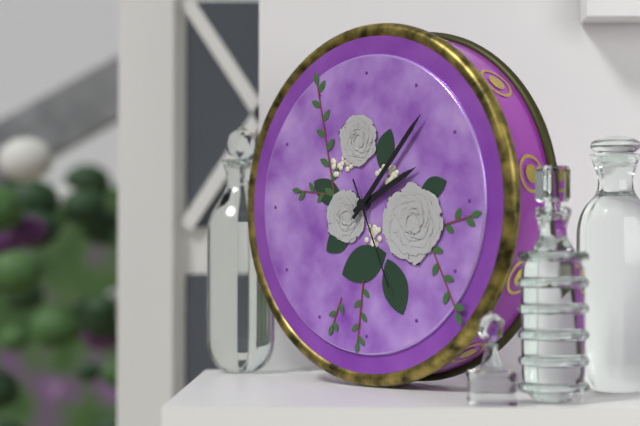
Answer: 2,07,26
